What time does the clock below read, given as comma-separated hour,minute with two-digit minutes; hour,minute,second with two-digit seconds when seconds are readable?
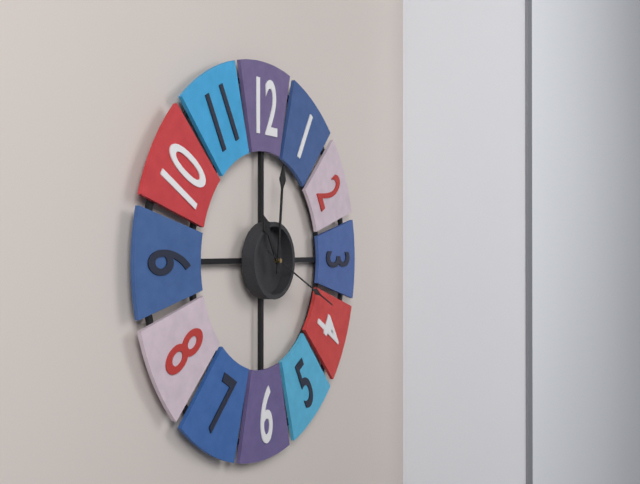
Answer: 11,01,19
